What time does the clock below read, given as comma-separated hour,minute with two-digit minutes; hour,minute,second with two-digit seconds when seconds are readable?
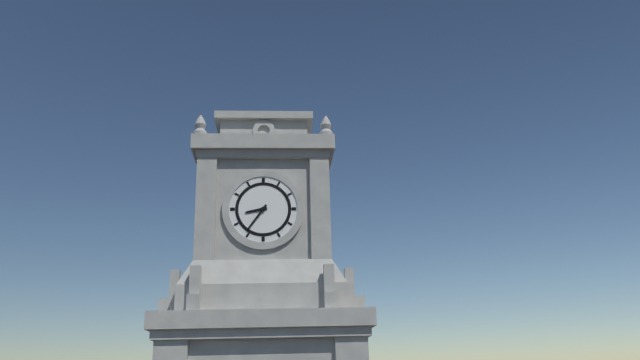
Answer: 8,36
